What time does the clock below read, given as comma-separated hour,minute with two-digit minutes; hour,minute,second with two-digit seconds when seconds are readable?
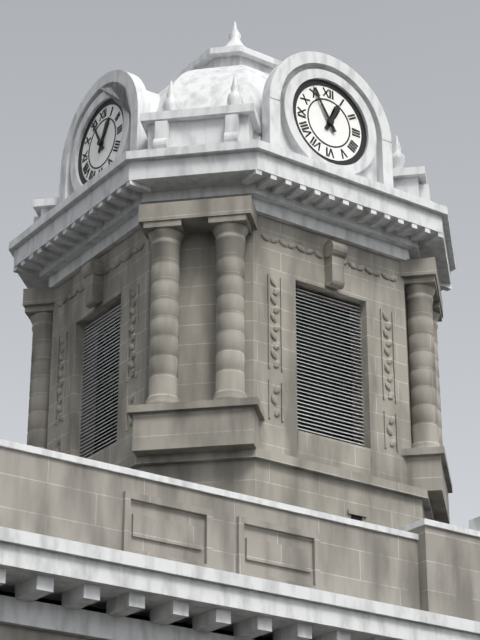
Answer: 12,55
